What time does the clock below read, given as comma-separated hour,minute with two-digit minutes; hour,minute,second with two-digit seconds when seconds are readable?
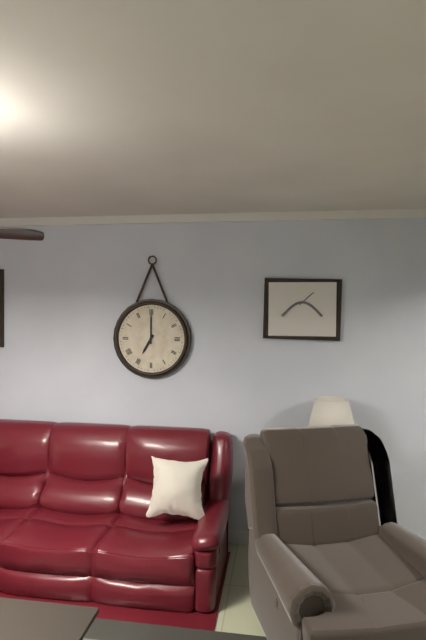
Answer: 7,00
